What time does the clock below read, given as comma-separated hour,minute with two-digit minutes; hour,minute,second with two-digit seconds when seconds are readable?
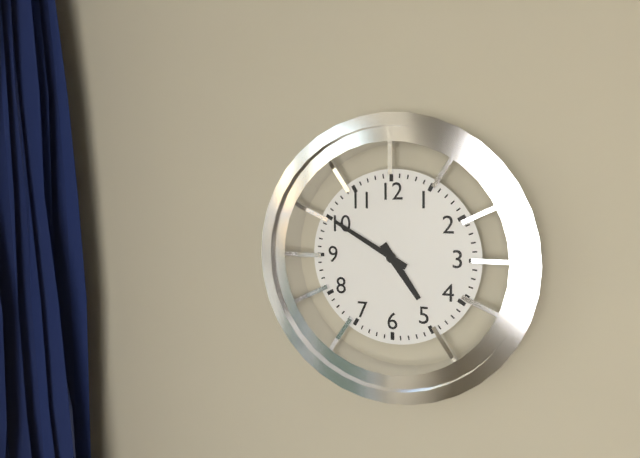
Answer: 4,50
